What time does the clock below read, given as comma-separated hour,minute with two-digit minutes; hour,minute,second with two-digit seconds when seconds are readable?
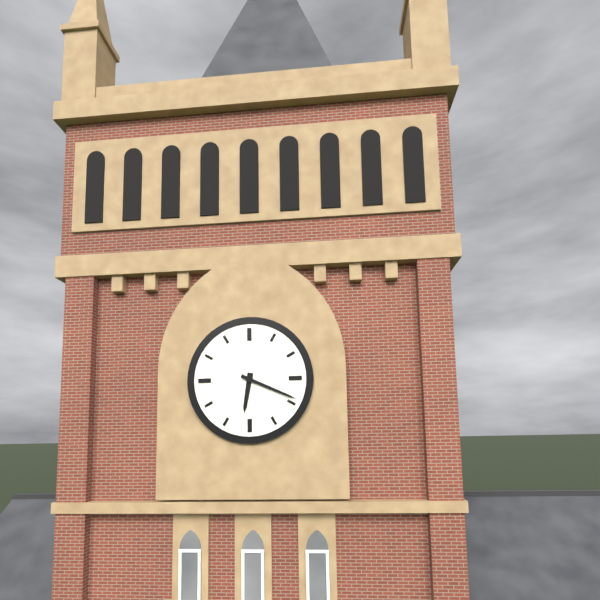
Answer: 6,19
